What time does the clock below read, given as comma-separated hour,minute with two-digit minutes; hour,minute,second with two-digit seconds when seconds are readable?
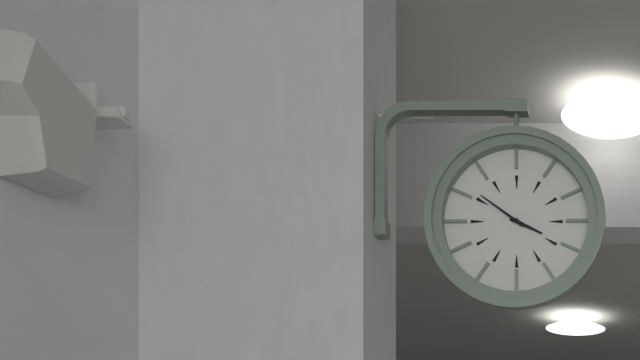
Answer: 3,51
